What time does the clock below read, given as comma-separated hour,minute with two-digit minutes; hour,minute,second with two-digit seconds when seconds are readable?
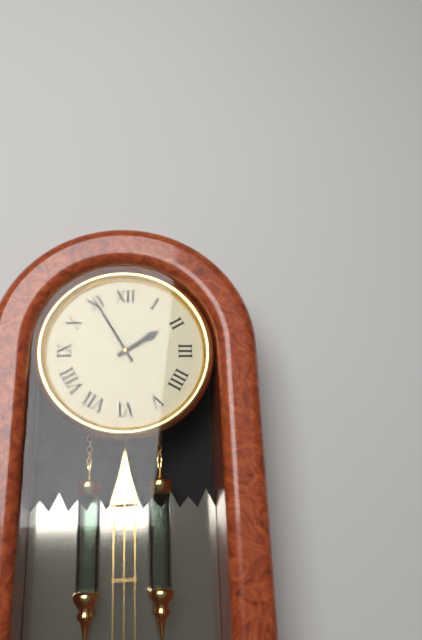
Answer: 1,55
